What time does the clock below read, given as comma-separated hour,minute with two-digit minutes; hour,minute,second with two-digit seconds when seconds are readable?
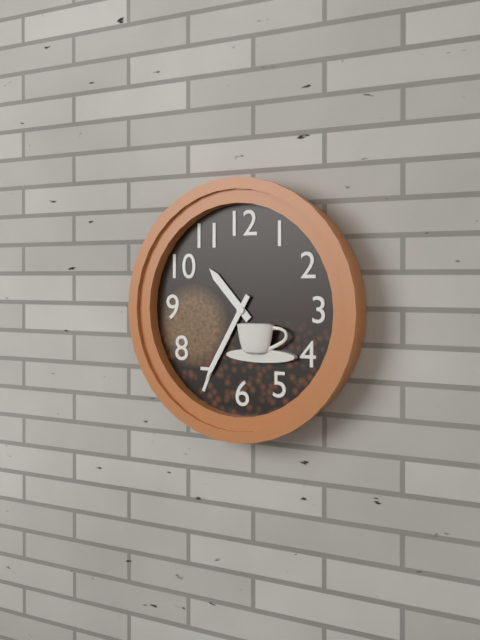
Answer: 10,35
